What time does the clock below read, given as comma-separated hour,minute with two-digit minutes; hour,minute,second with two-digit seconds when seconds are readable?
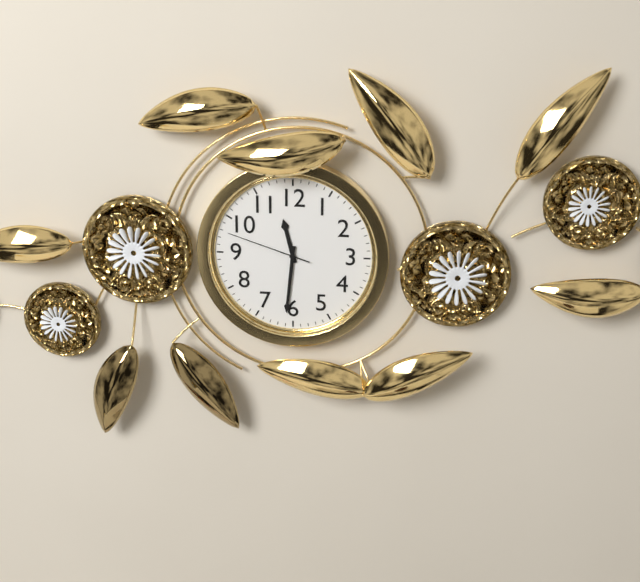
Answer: 11,31,48
